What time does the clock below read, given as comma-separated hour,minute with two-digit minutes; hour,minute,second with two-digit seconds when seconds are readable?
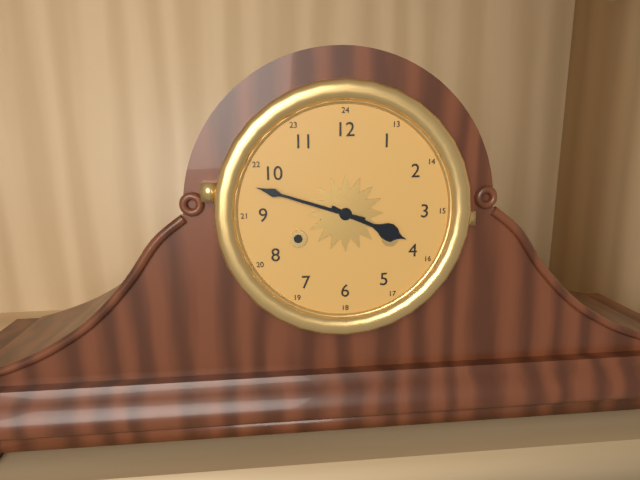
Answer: 3,48
